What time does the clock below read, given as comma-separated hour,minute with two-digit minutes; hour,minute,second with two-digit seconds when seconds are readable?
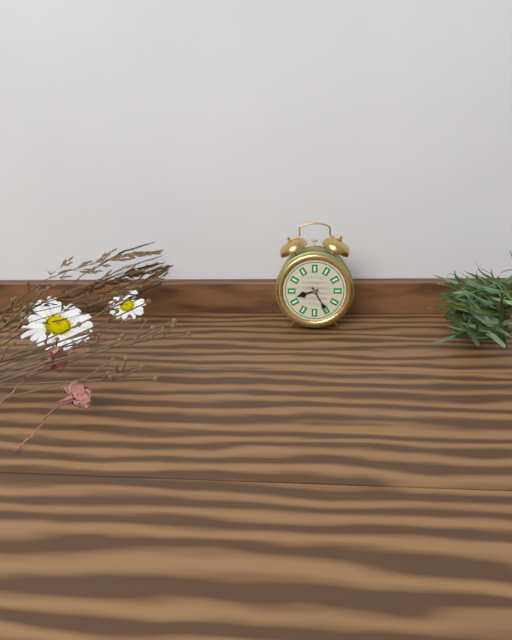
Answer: 8,25
